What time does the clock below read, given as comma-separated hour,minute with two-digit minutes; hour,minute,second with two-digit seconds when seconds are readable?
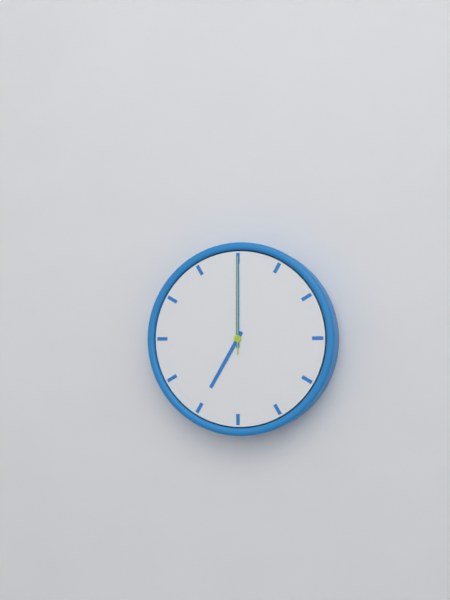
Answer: 7,00,00
